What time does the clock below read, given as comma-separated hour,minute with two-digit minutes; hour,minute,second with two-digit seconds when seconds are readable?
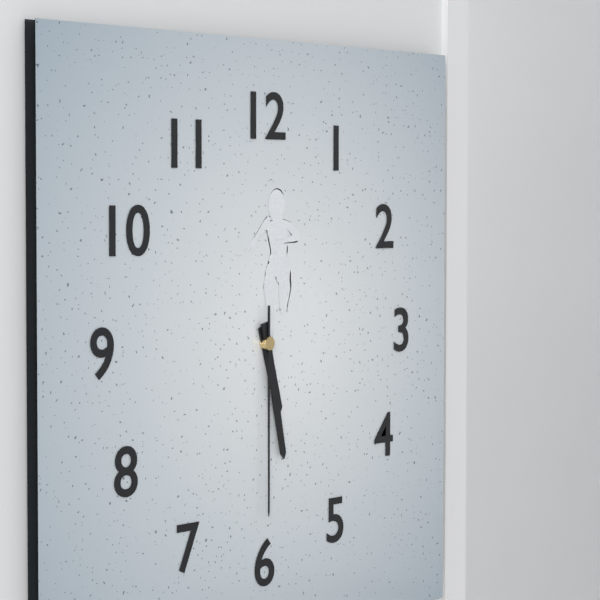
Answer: 5,28,30
